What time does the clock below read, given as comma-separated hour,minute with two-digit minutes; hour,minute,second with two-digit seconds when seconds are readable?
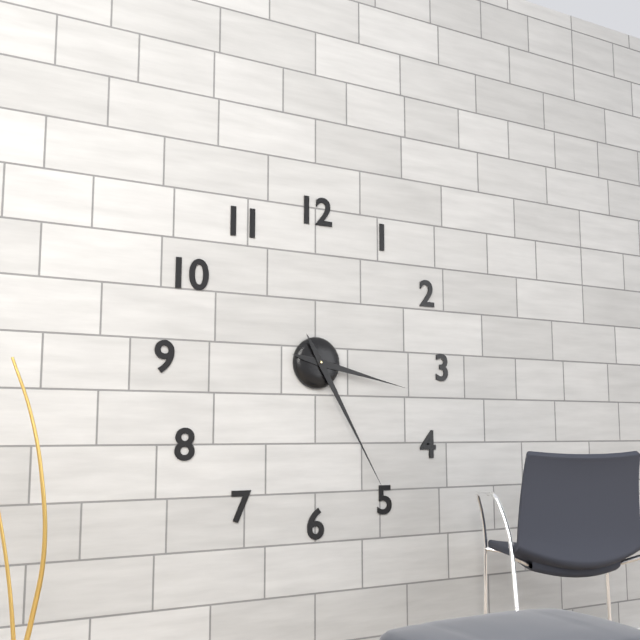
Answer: 3,25
